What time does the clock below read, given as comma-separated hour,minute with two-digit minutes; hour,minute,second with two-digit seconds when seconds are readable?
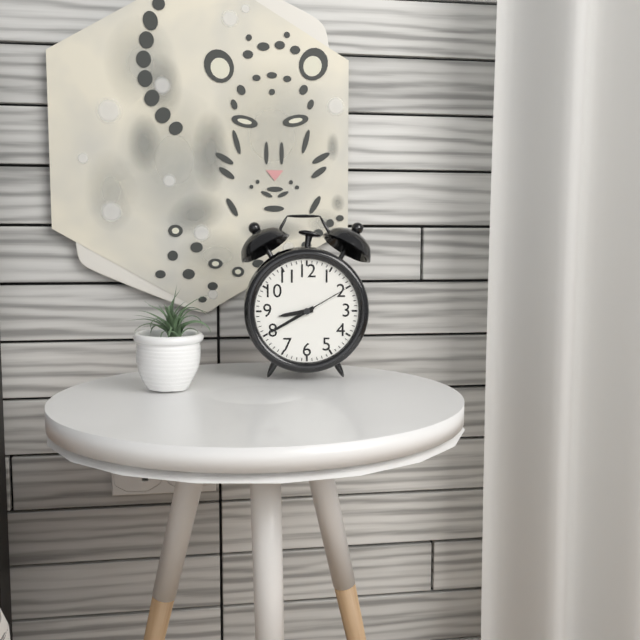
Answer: 8,40,10
